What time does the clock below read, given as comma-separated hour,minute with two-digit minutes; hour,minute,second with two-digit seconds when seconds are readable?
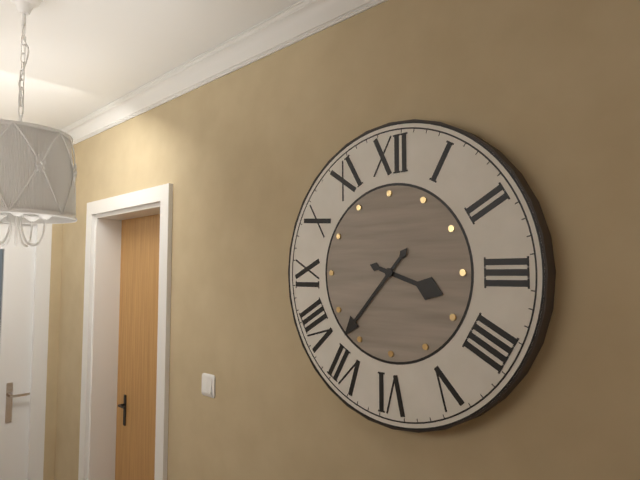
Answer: 3,37
